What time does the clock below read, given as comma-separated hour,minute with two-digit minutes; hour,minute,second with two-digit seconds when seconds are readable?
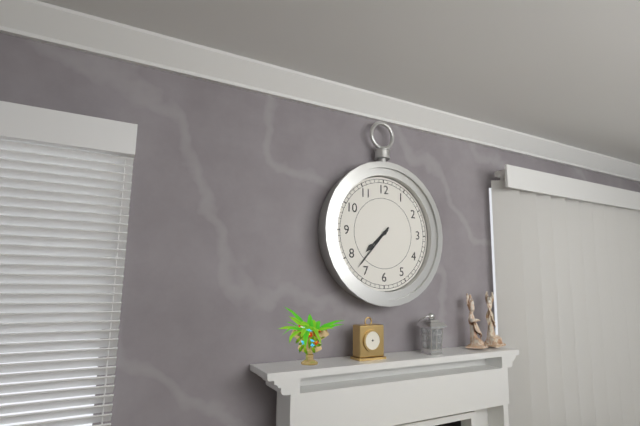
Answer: 7,37
